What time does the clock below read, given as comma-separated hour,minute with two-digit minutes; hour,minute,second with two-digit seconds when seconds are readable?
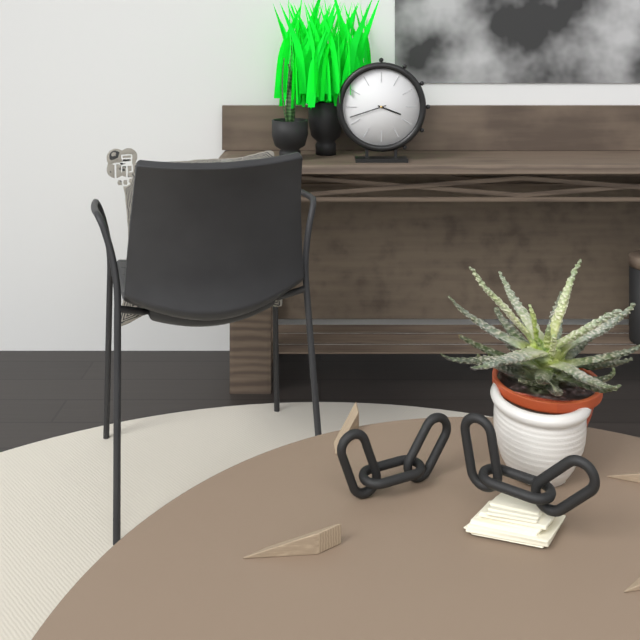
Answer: 3,42
